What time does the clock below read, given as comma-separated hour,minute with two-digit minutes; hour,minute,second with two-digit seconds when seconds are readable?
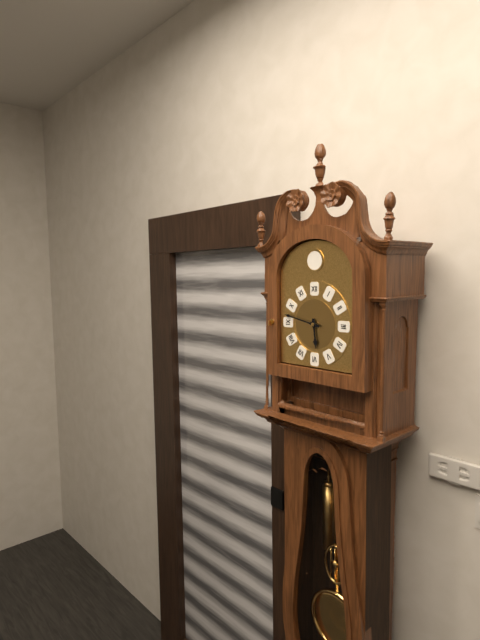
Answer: 5,47
